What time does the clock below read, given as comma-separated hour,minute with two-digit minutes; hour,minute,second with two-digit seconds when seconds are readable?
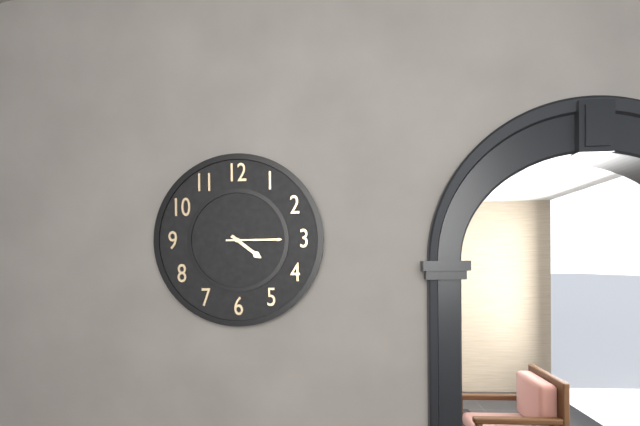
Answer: 4,15
